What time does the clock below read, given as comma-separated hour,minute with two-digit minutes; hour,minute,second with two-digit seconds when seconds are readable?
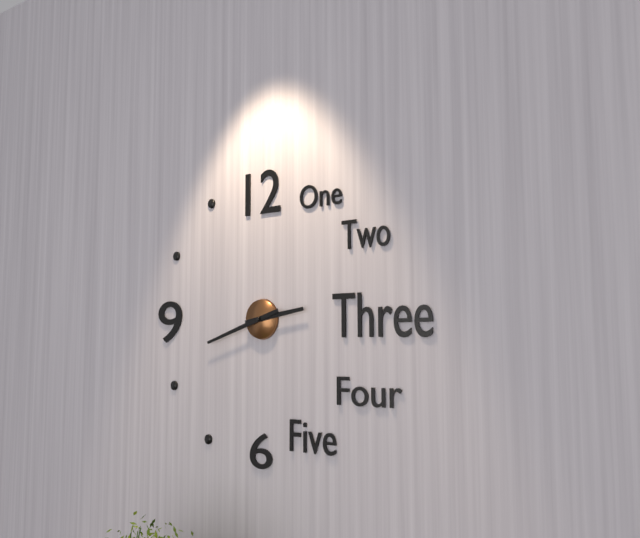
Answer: 2,42
